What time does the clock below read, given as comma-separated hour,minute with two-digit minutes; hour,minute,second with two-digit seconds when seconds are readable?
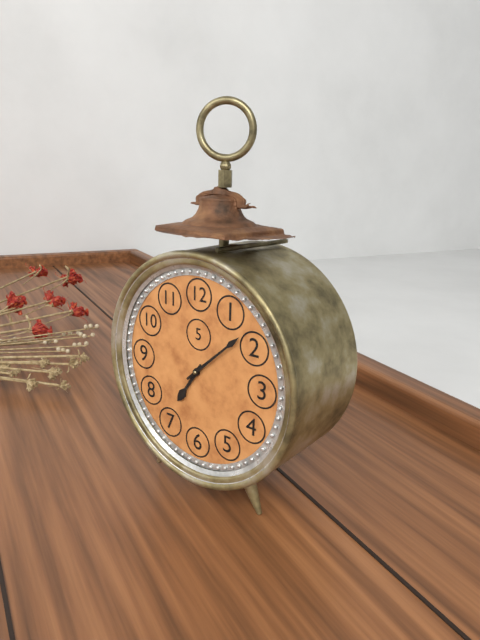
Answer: 7,08
